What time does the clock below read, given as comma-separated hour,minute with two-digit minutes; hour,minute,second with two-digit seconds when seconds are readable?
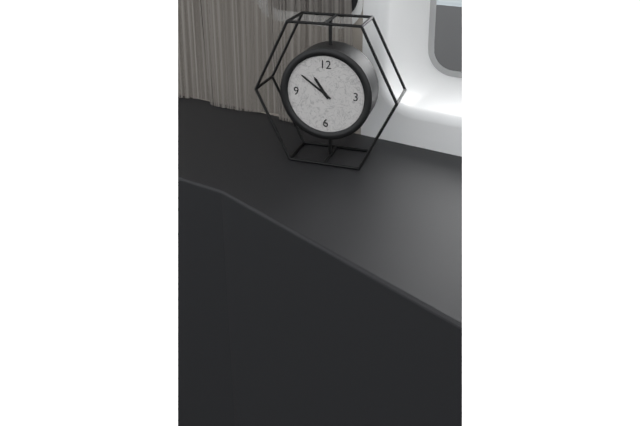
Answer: 10,51
